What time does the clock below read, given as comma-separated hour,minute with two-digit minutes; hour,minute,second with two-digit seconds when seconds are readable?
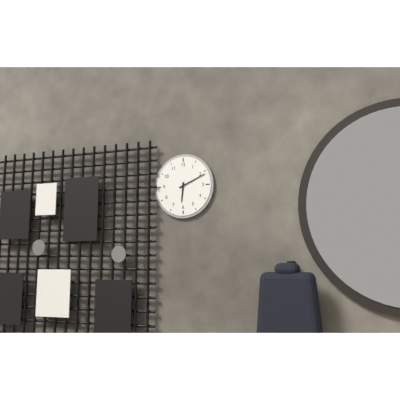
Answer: 6,11
